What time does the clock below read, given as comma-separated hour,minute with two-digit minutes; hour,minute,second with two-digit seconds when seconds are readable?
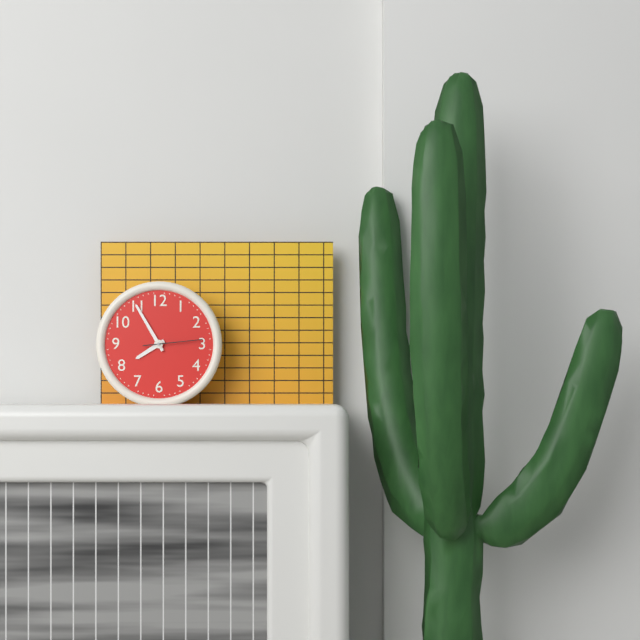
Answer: 7,55,14
